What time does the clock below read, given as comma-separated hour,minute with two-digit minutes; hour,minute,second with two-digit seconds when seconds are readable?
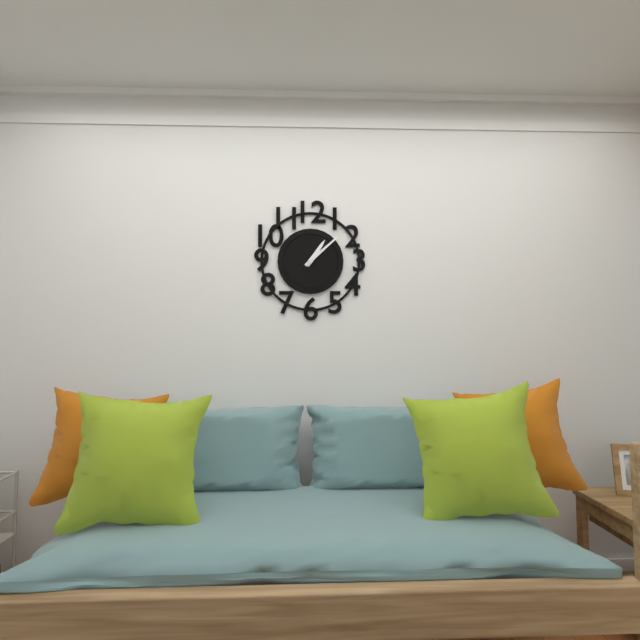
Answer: 1,08
